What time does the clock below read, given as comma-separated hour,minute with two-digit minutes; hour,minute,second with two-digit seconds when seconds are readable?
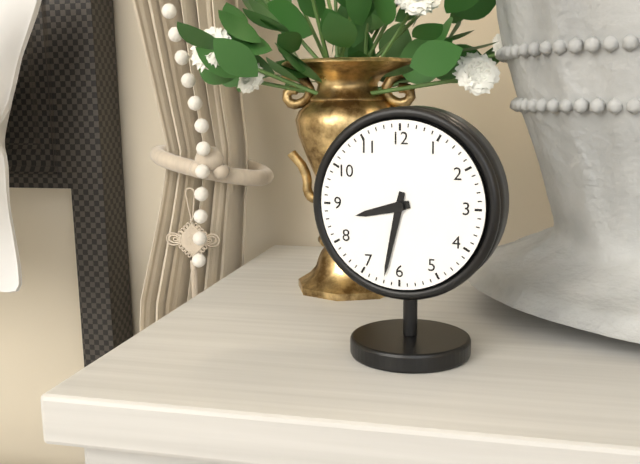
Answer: 8,32
